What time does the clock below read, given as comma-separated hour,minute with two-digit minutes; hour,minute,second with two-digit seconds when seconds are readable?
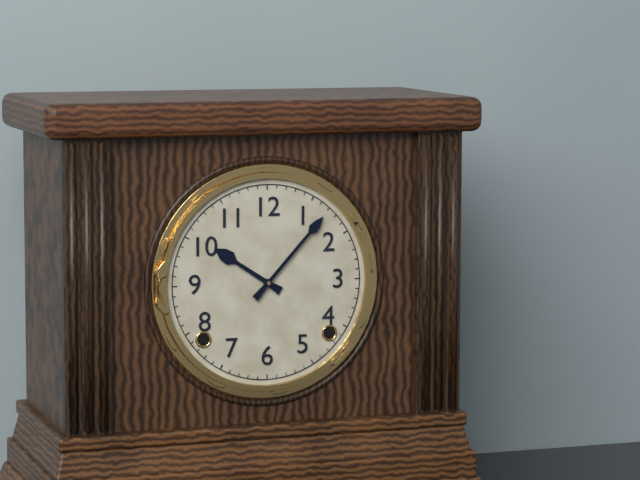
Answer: 10,07
